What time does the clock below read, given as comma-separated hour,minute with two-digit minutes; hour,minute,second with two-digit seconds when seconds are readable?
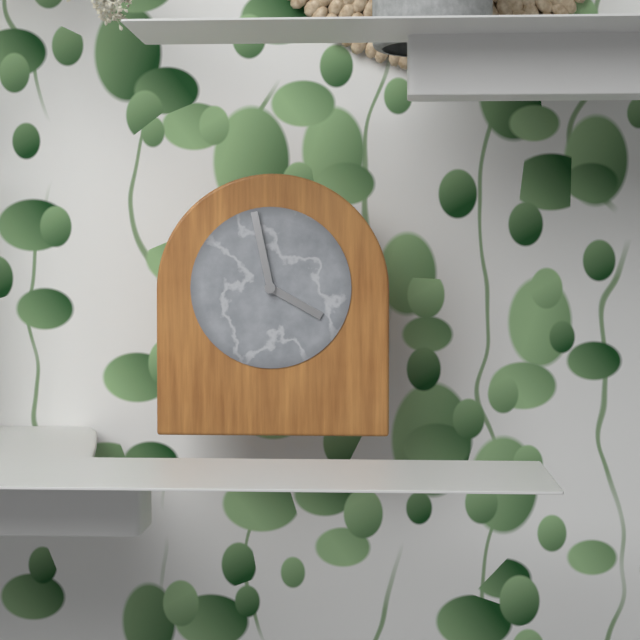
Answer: 3,58
